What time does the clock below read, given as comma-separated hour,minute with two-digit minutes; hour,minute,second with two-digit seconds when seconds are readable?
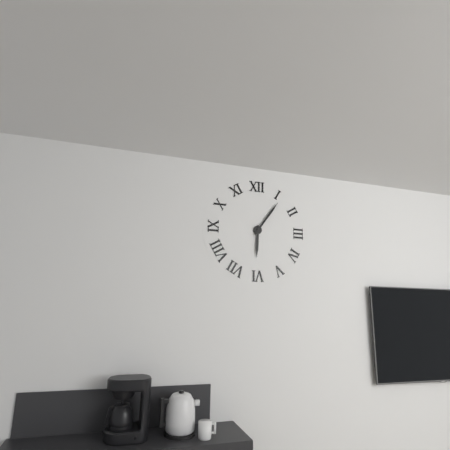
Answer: 6,06
